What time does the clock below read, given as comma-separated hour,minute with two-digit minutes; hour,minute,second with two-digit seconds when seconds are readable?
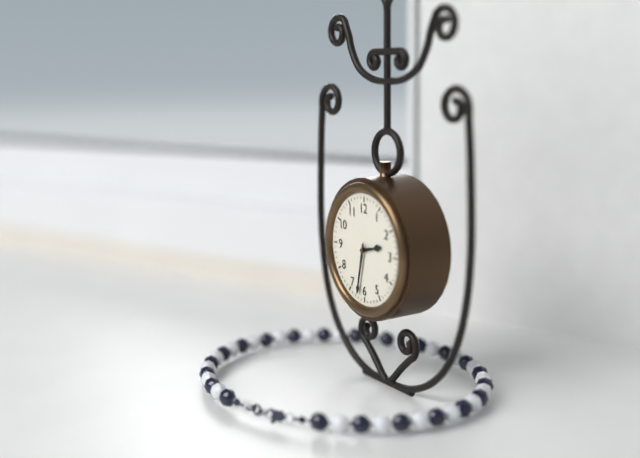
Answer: 2,32
